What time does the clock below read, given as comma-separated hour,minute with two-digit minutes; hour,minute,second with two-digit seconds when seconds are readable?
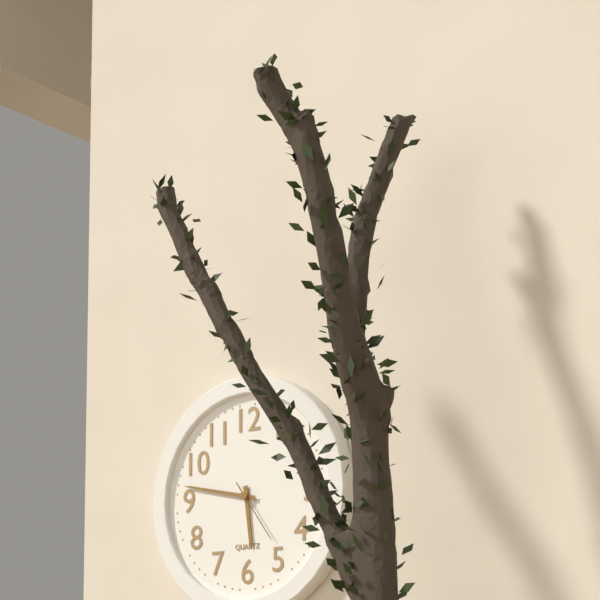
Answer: 5,47,24
